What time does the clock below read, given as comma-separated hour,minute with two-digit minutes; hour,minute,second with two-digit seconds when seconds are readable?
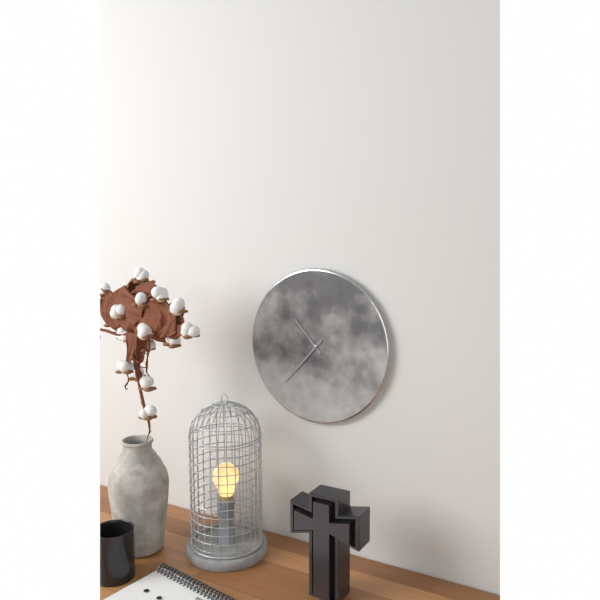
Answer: 10,37
